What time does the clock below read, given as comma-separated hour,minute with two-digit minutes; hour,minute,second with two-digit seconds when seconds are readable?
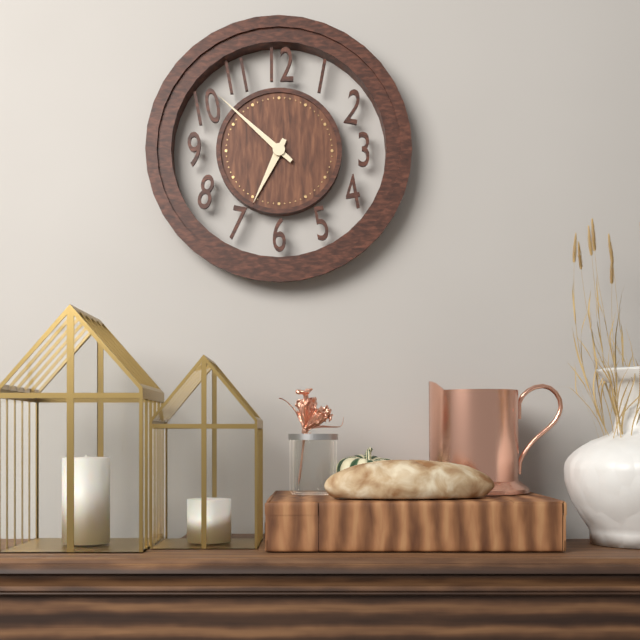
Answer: 6,52
